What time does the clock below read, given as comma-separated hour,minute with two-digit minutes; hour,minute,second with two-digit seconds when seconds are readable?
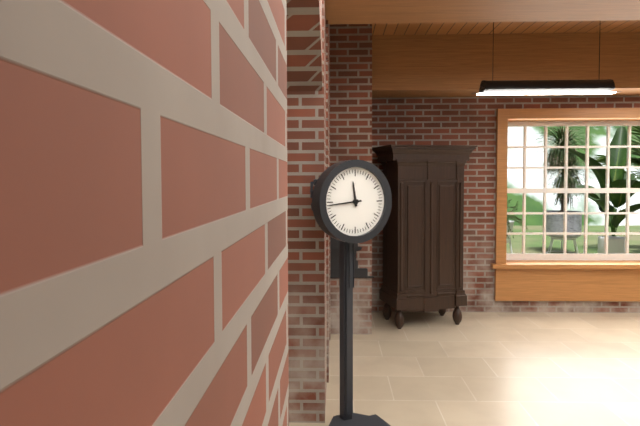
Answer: 11,44
